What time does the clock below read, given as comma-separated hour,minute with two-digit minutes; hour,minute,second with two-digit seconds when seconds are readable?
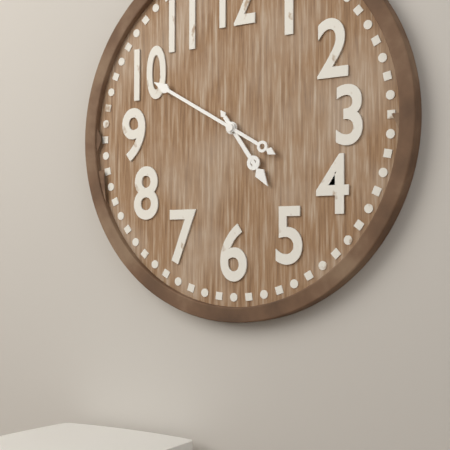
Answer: 4,50
